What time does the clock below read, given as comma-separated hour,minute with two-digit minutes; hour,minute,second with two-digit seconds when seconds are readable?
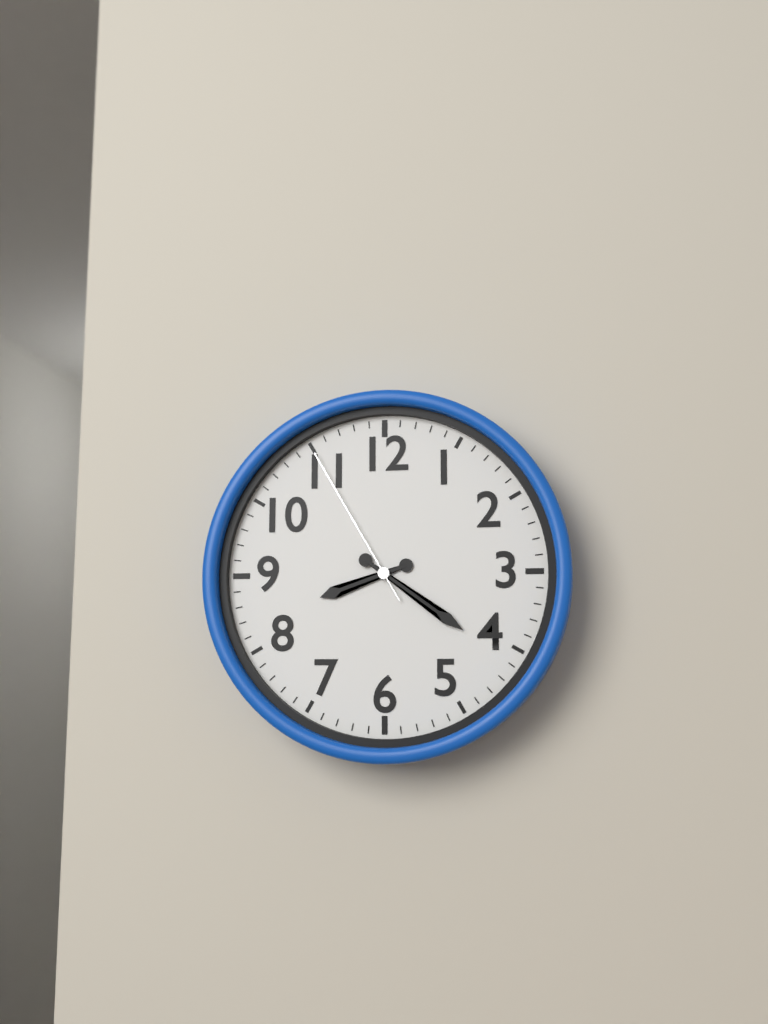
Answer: 8,21,55
